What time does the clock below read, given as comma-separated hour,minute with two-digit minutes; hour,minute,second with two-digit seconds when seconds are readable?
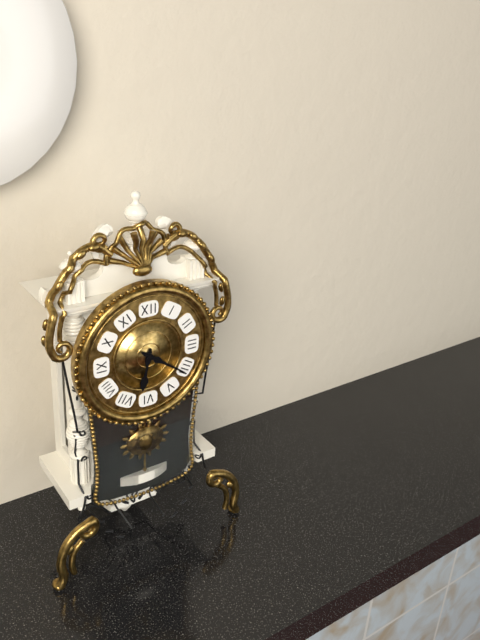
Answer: 6,21
